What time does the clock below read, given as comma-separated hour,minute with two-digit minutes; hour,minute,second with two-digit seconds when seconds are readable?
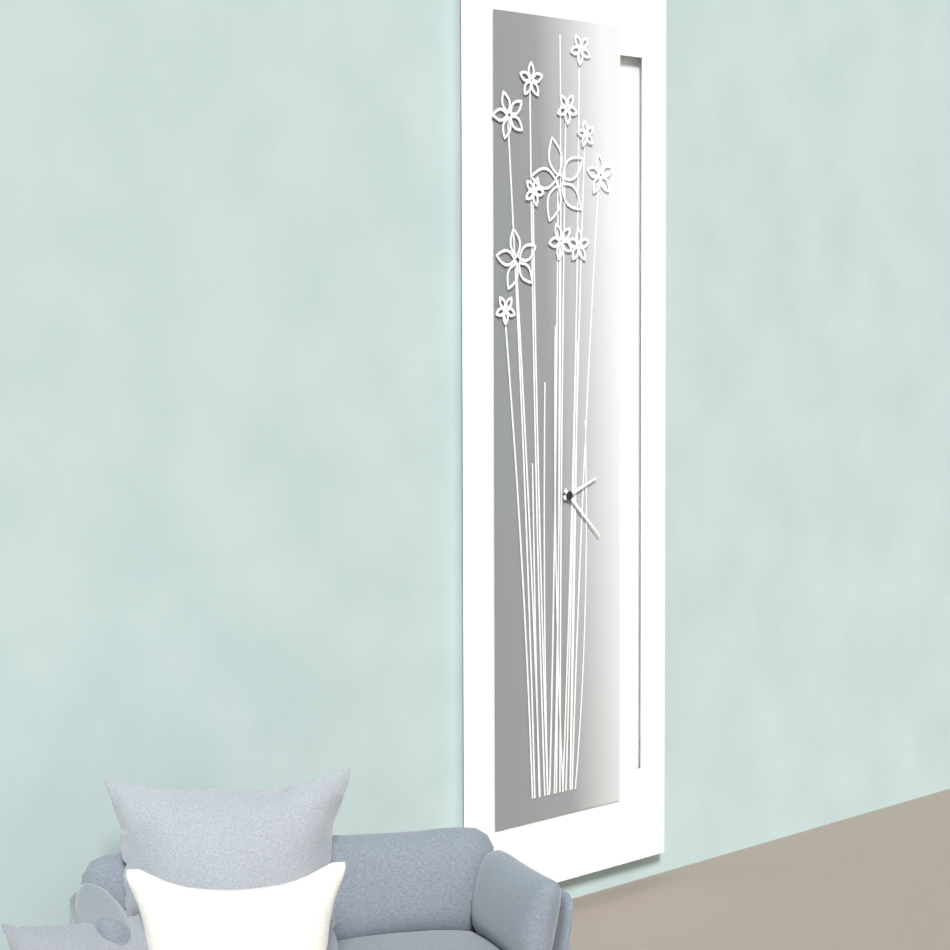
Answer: 2,22
